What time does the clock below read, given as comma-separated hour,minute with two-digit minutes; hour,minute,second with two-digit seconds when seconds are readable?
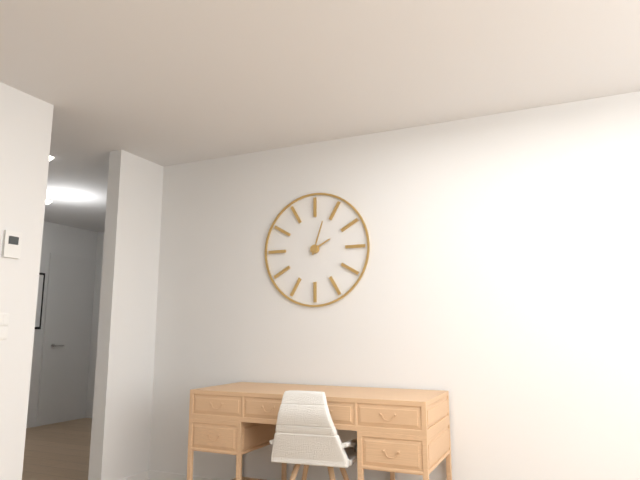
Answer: 2,03
